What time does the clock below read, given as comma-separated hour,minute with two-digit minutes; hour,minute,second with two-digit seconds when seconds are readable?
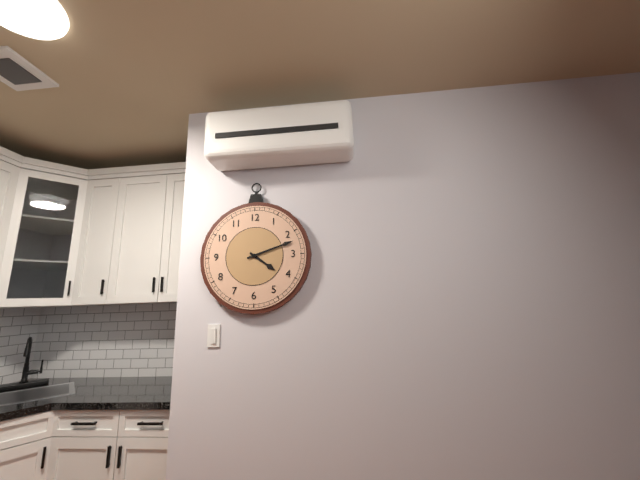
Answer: 4,12
